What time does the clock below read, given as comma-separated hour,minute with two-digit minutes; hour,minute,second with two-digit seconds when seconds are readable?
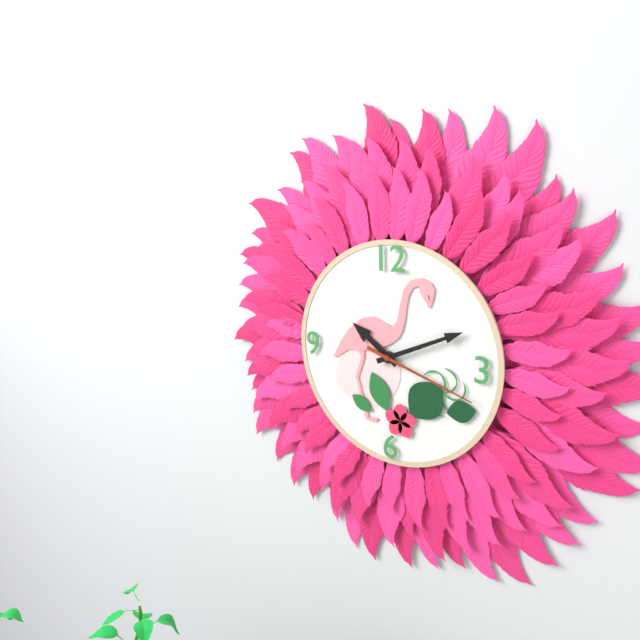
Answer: 10,11,18
